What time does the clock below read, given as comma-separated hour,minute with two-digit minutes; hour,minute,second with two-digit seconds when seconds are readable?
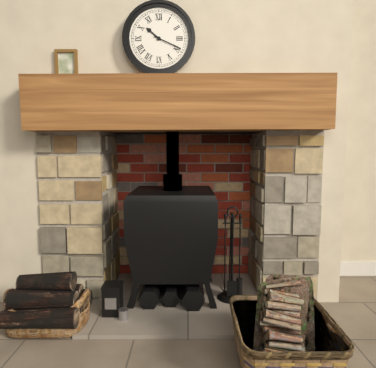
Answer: 10,19
